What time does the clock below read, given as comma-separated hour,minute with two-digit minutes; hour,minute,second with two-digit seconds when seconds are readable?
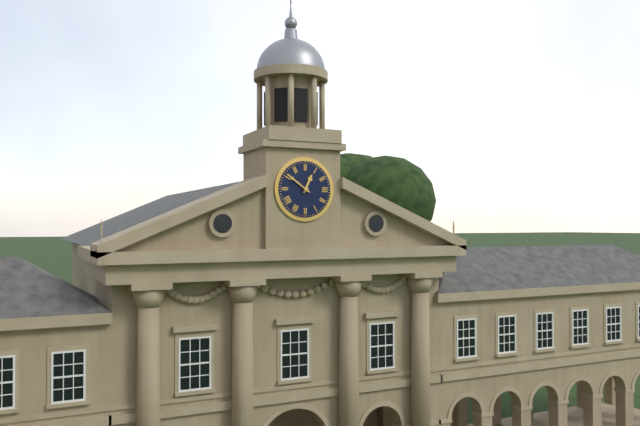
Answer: 12,51
